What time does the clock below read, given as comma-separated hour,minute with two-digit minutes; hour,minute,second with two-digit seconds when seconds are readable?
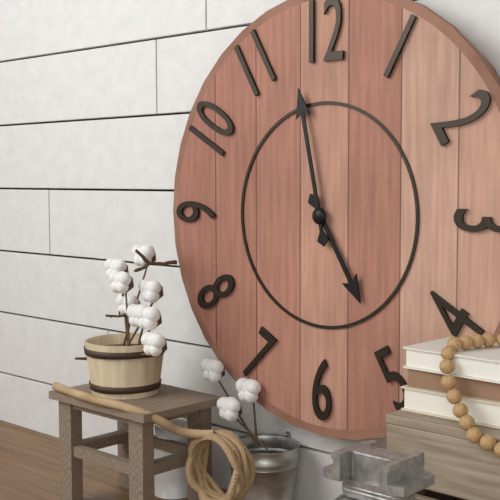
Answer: 4,58
